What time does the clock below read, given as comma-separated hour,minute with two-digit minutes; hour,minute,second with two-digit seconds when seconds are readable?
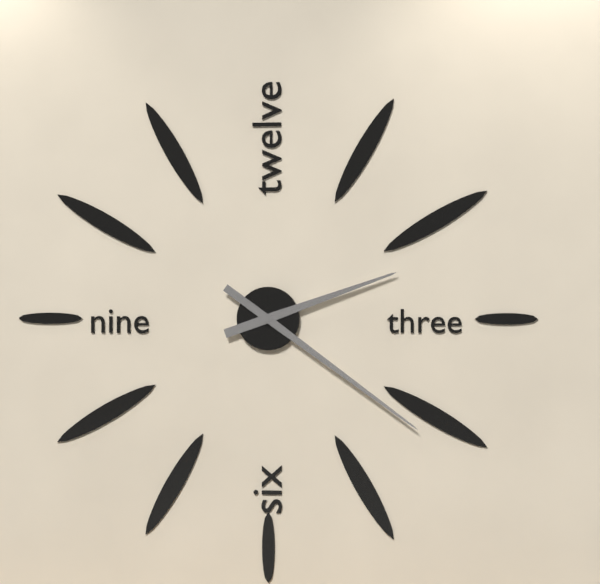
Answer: 2,21
